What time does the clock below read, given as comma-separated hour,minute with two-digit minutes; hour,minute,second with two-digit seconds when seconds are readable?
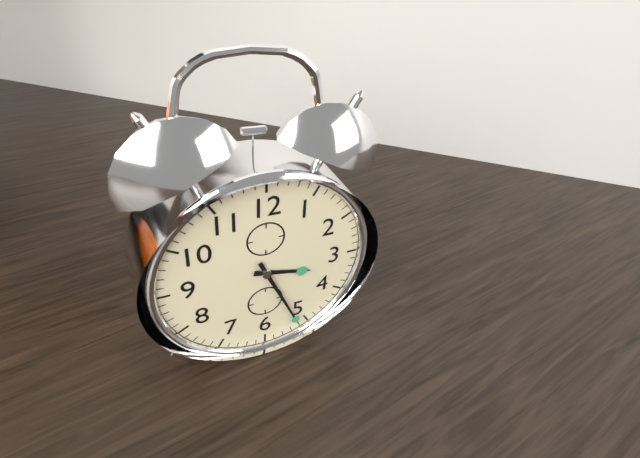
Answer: 3,26
